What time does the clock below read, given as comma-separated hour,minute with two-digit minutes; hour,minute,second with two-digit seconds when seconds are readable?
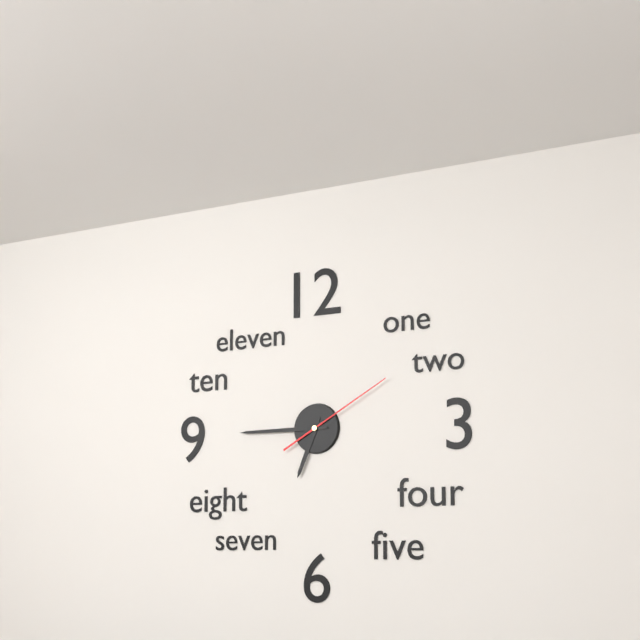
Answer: 6,45,10
